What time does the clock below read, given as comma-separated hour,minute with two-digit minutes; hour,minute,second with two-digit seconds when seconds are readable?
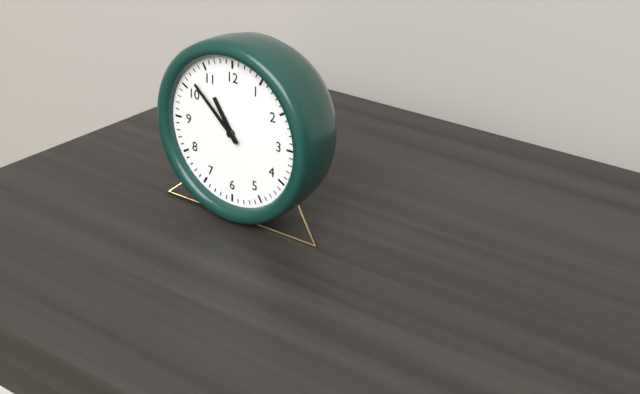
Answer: 10,52
